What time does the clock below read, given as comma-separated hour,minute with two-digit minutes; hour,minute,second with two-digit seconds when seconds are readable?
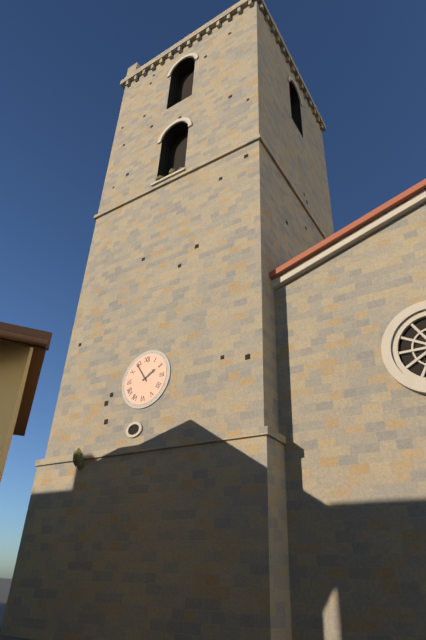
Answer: 1,54
